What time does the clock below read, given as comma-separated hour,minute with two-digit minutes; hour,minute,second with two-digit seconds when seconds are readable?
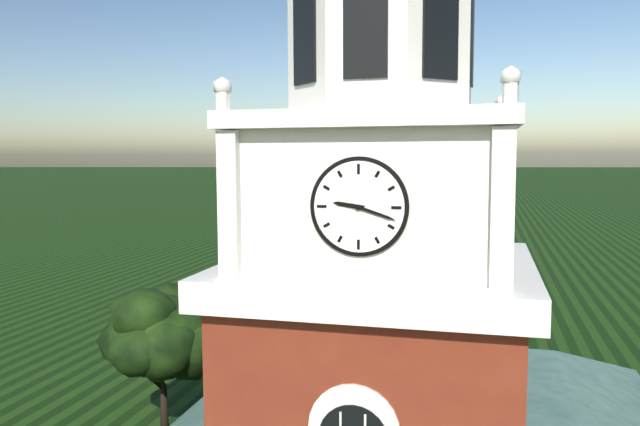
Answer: 9,18
